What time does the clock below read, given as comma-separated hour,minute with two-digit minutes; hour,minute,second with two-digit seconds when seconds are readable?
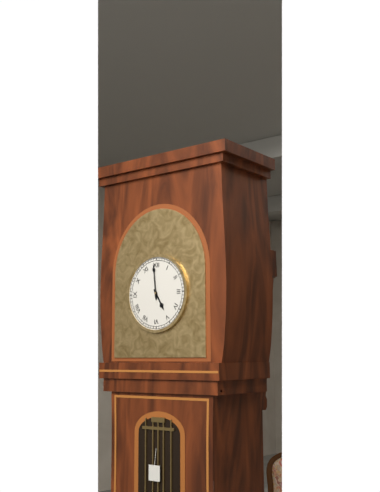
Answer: 4,59
